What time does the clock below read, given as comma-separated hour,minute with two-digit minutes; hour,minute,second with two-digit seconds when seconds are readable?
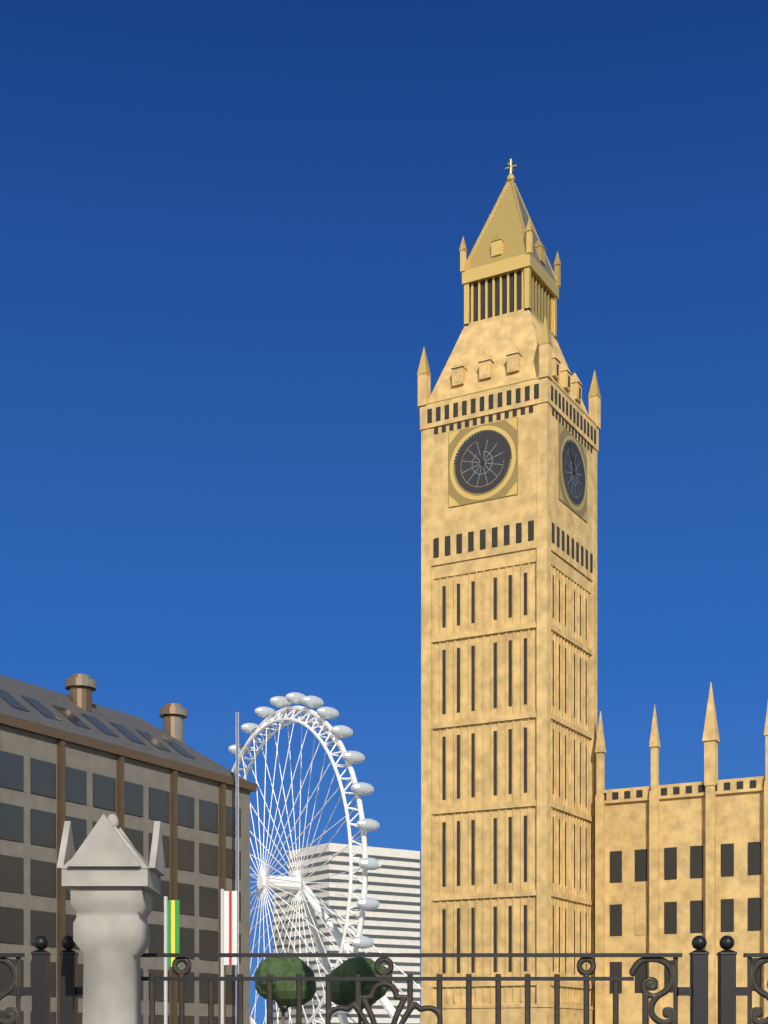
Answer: 11,56
